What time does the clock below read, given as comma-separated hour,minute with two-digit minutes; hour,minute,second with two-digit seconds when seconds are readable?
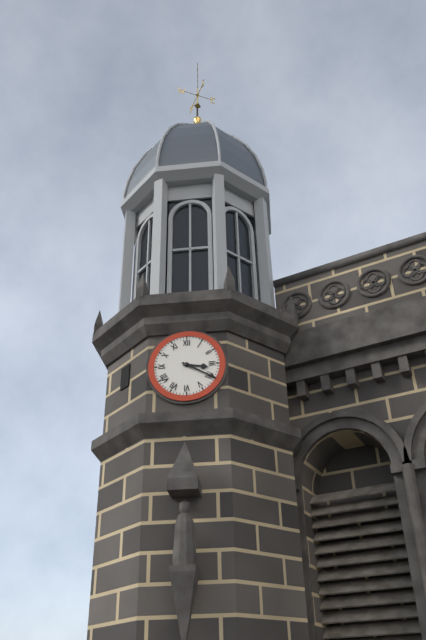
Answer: 3,20
